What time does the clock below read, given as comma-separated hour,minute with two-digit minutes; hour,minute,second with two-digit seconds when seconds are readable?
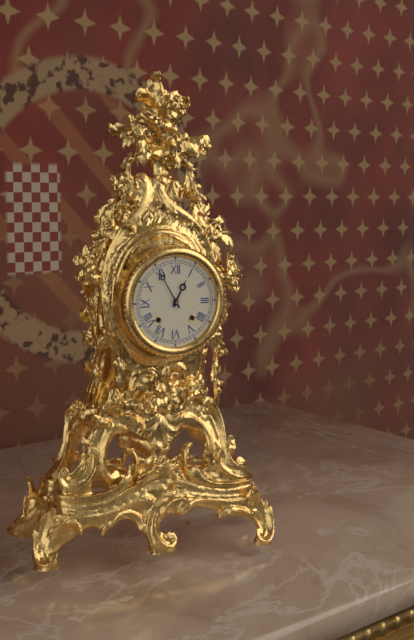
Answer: 12,55
